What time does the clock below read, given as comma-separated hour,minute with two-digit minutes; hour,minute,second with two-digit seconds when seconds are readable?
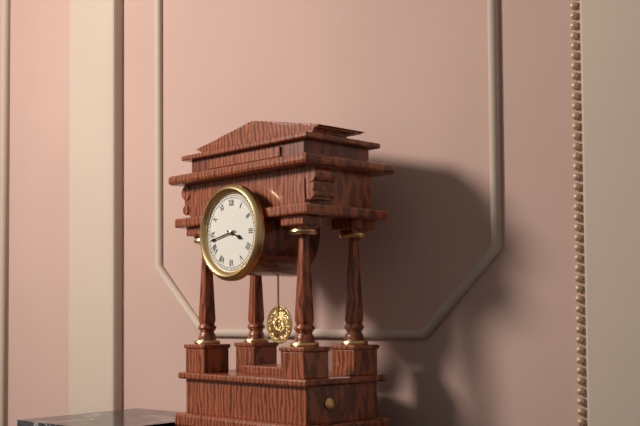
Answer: 3,43
